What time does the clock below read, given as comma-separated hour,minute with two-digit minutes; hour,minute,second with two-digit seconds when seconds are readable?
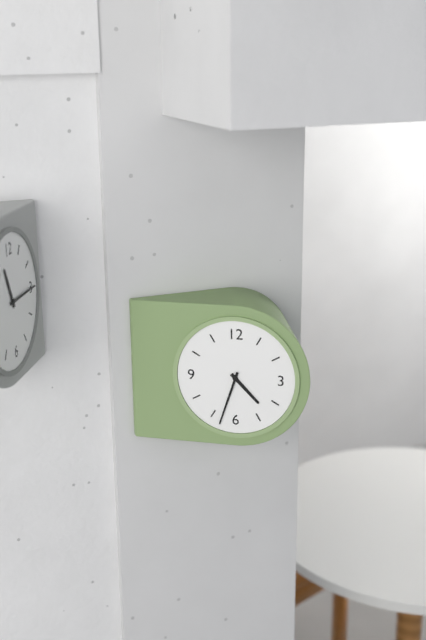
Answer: 4,33
